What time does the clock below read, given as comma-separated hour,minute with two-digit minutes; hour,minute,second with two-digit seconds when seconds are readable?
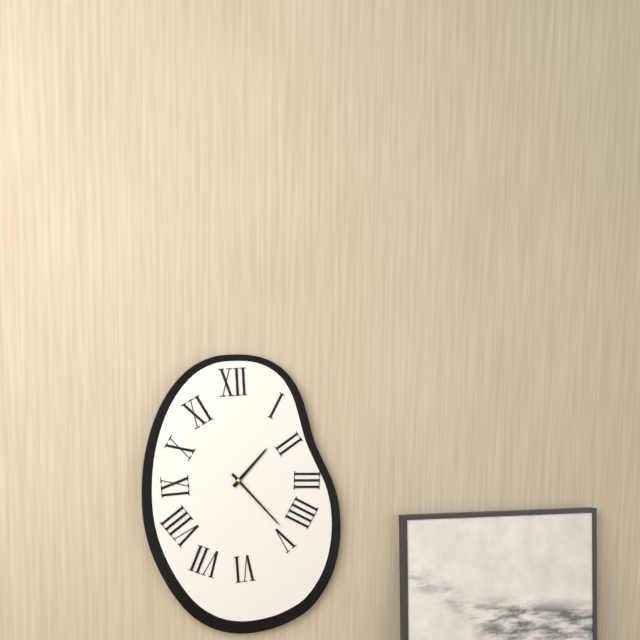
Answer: 1,23
